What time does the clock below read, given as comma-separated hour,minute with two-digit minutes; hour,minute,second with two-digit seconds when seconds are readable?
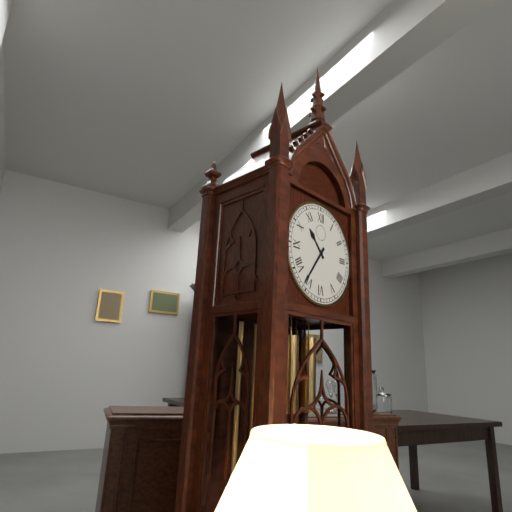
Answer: 10,36
